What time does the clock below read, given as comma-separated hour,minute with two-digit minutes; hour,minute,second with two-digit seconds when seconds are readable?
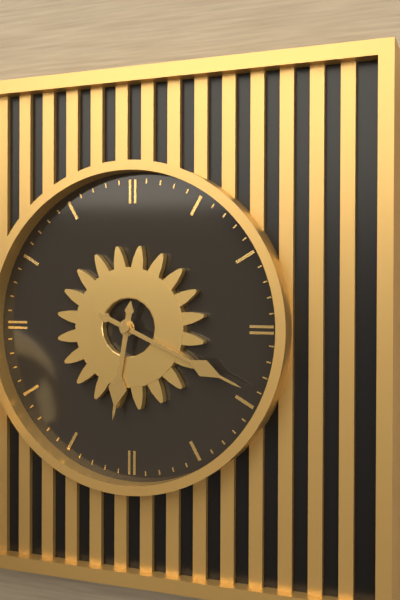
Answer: 6,19
